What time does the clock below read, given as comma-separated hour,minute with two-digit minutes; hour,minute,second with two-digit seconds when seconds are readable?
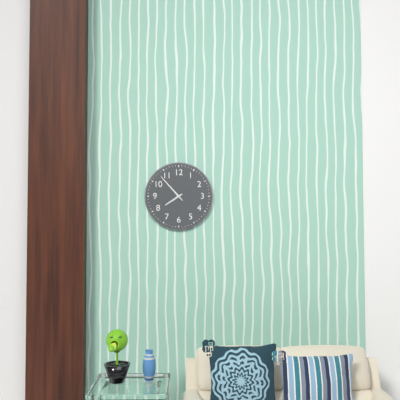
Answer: 7,53
